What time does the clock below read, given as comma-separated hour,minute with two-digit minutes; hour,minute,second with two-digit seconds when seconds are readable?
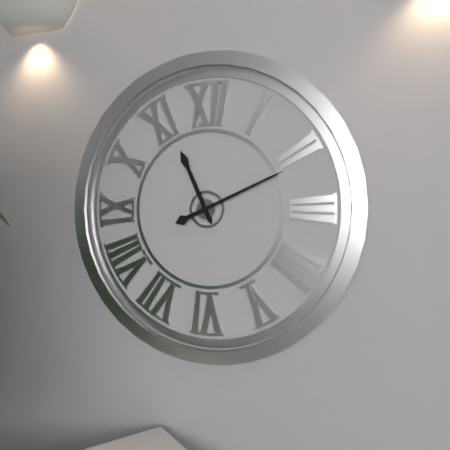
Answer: 11,11
